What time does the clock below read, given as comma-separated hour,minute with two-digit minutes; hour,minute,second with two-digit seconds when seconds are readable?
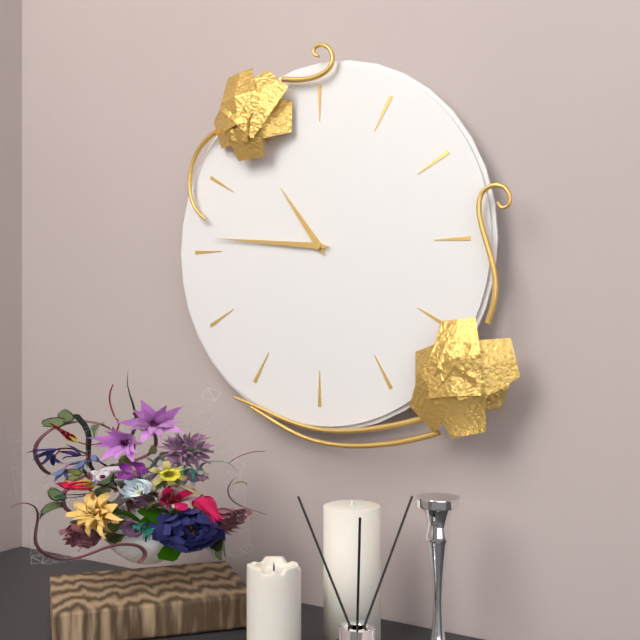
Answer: 10,46
